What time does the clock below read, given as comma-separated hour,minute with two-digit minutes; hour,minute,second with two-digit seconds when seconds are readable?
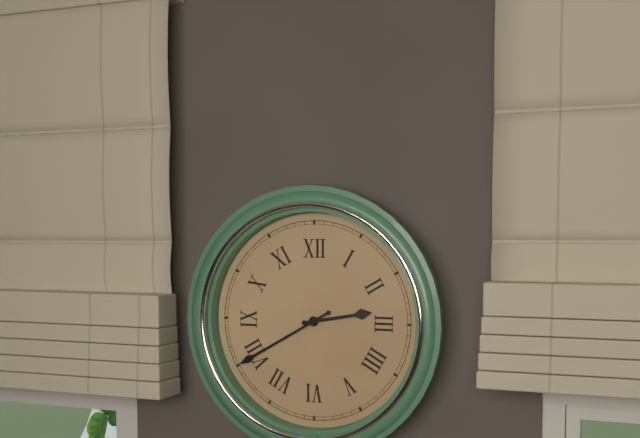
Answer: 2,40
